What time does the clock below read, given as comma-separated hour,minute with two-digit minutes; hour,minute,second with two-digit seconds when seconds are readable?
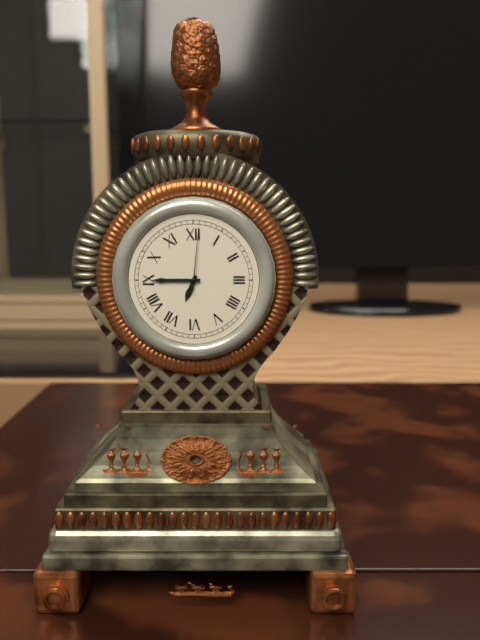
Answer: 6,45,01
